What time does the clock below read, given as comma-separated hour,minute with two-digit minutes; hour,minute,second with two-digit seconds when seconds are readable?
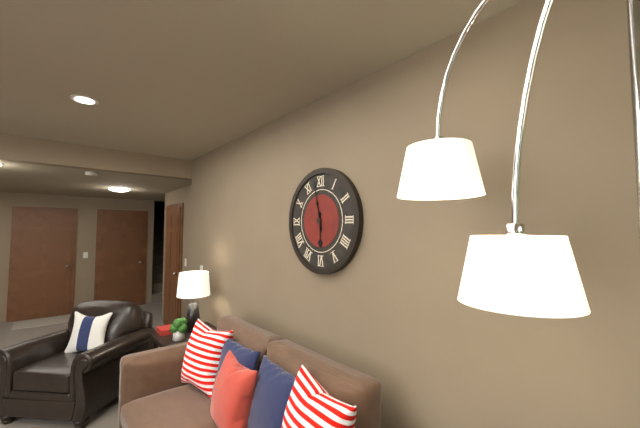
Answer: 5,58
